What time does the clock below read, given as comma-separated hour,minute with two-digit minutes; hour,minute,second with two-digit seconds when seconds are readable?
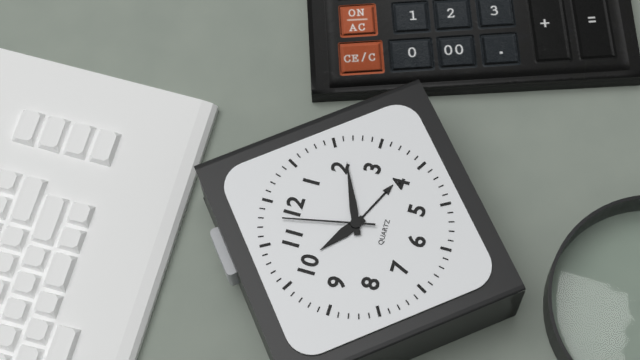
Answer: 10,11,58
